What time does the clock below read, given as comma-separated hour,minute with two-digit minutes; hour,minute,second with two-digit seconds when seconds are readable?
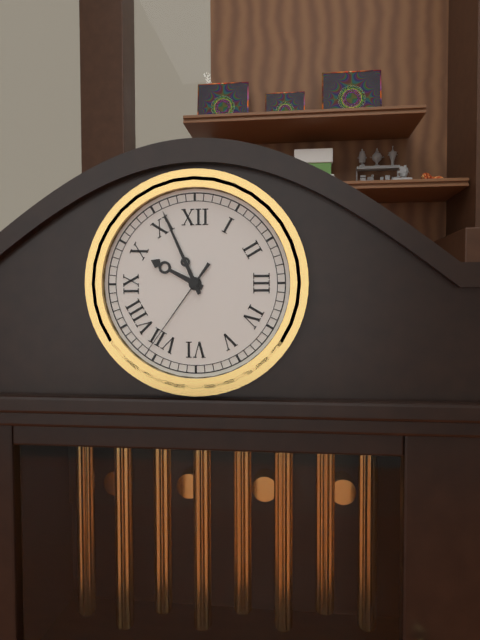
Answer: 9,56,36
